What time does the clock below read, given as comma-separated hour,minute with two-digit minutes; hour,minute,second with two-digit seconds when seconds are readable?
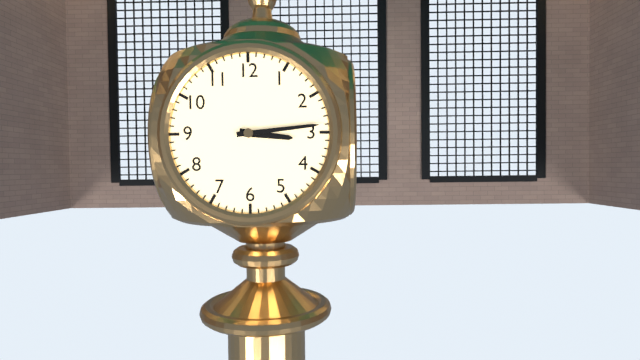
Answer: 3,14
